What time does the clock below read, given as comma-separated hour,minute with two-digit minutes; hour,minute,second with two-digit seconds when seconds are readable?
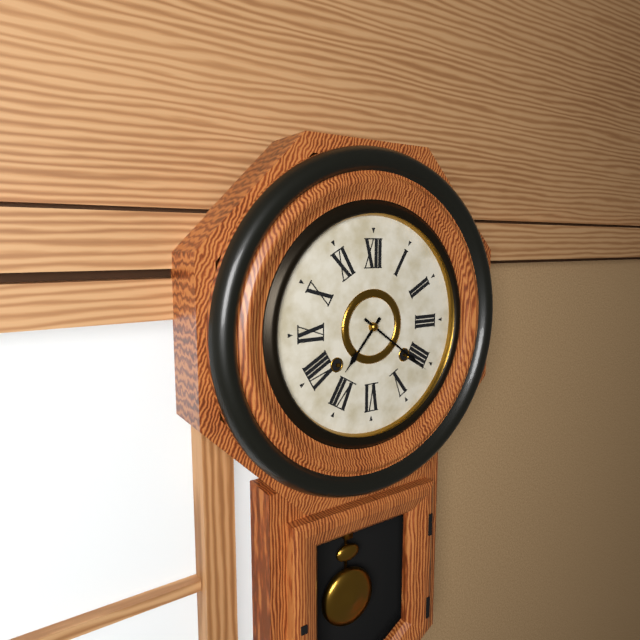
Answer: 7,21
